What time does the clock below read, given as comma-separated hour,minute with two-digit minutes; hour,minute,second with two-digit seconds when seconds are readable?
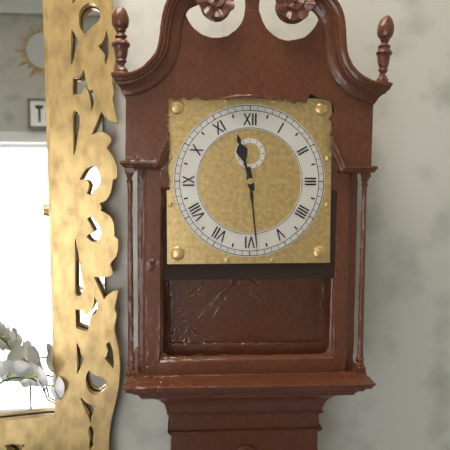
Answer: 11,29
